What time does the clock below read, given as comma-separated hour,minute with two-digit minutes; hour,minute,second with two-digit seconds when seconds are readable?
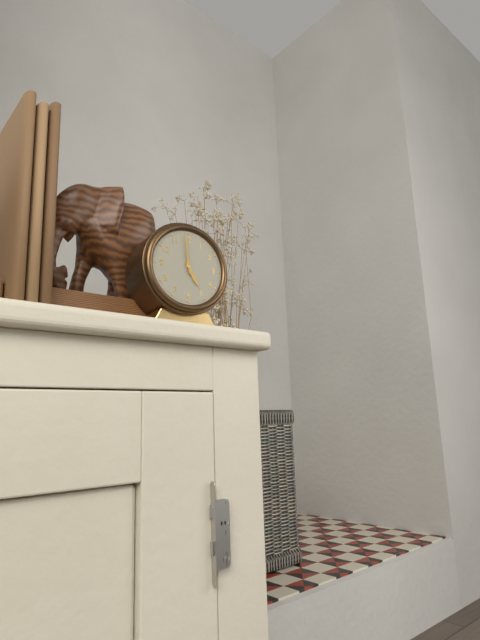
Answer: 4,59
